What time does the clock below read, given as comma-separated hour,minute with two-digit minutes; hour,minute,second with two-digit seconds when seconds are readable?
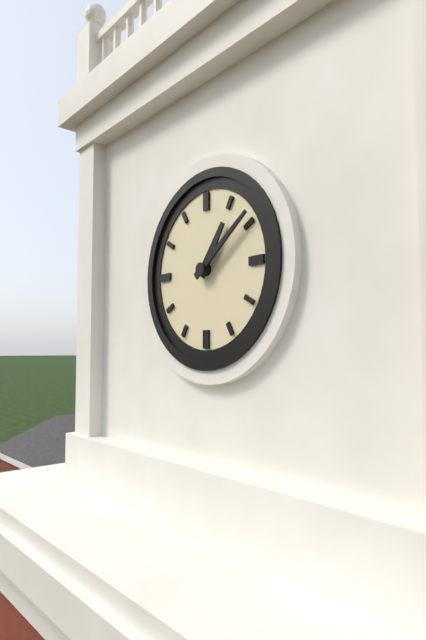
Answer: 1,09
